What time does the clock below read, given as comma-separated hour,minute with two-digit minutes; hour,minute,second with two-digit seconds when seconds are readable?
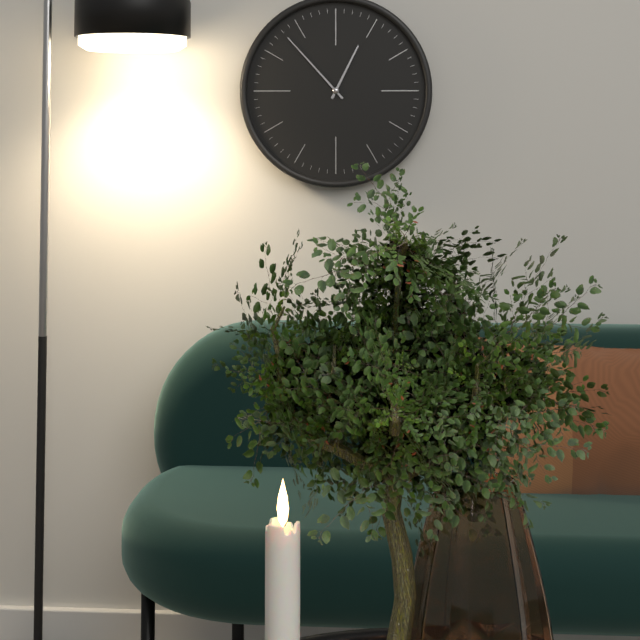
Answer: 12,53
